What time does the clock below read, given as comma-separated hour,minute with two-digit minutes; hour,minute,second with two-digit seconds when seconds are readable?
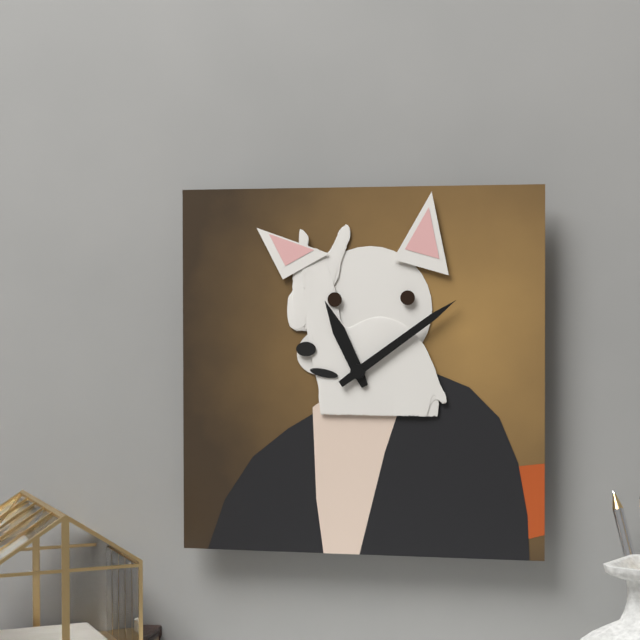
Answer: 11,09
